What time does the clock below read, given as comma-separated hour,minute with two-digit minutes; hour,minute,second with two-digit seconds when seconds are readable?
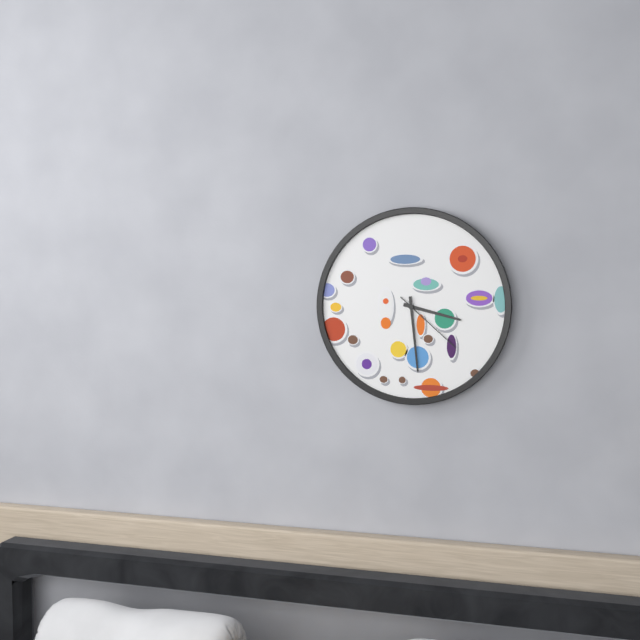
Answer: 3,29,22
